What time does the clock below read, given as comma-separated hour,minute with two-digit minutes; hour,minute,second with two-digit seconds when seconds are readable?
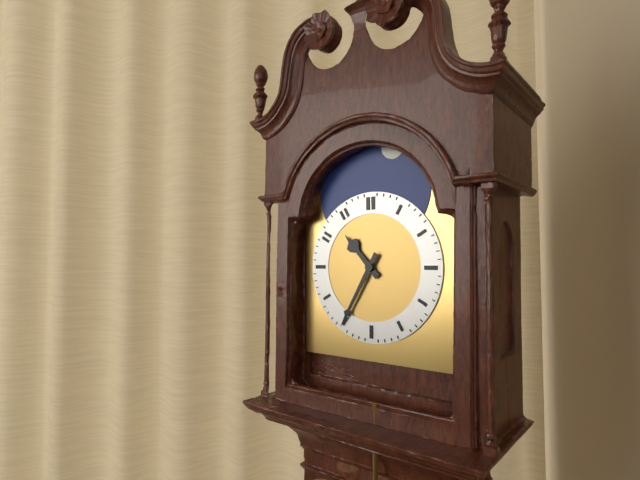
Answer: 10,35
